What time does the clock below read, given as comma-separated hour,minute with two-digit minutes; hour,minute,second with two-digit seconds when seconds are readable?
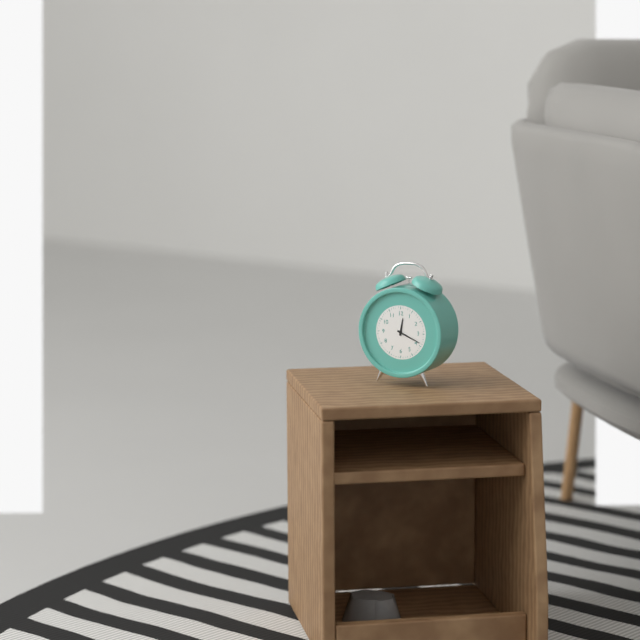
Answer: 12,19
